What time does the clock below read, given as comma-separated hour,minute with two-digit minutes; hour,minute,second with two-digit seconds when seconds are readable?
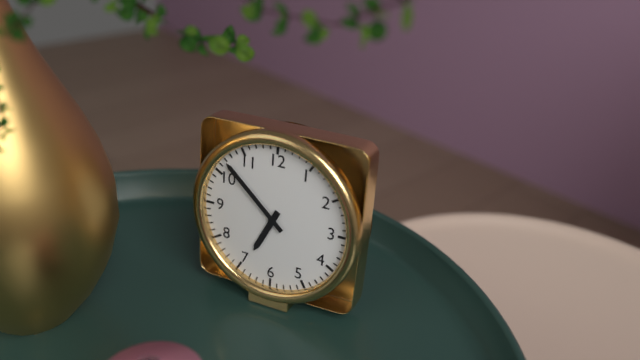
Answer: 6,52
